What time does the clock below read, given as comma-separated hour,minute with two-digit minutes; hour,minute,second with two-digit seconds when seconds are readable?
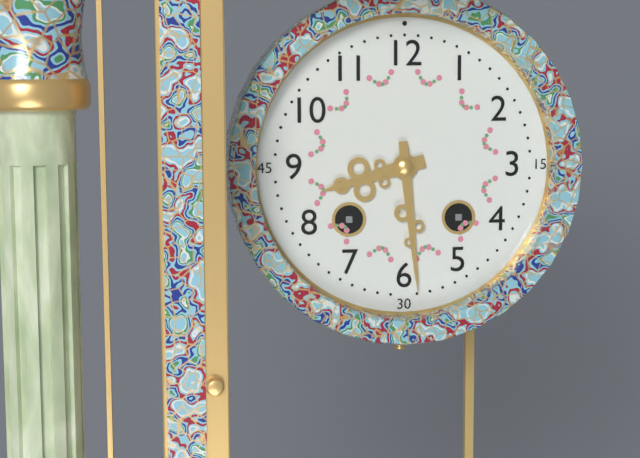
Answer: 8,29
